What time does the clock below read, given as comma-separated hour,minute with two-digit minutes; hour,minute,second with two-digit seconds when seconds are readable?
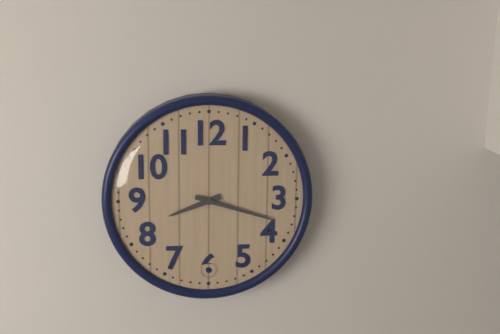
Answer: 8,18
